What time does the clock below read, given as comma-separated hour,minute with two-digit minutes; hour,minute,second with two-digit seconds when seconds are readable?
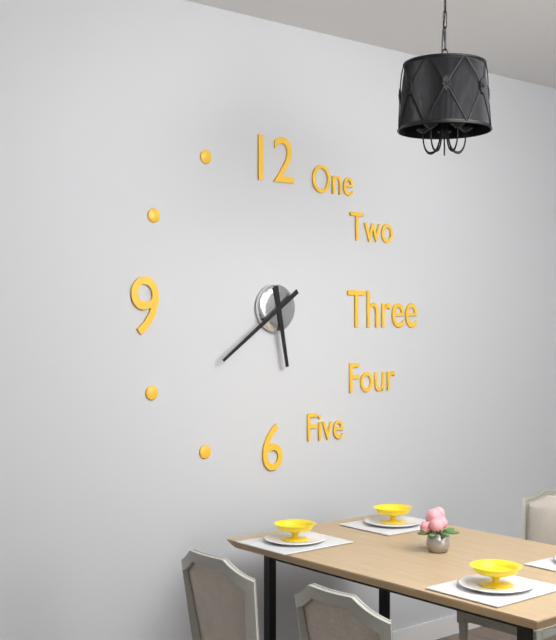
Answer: 5,39
